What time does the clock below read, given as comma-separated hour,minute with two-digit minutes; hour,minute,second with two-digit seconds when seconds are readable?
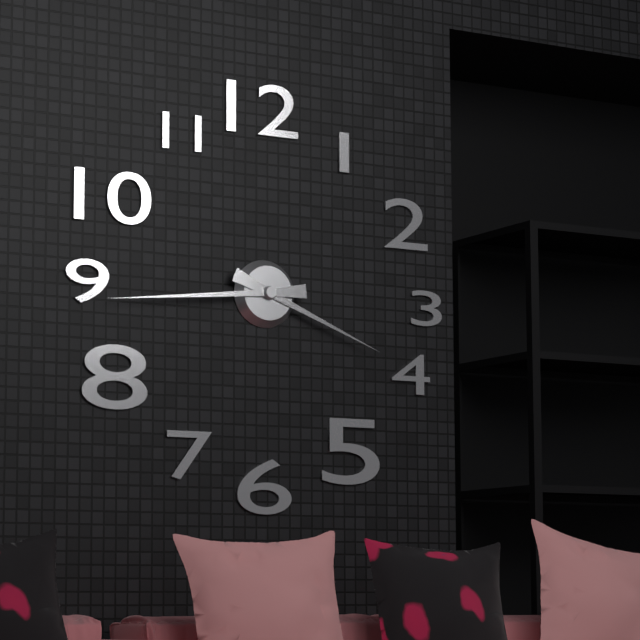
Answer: 3,44
